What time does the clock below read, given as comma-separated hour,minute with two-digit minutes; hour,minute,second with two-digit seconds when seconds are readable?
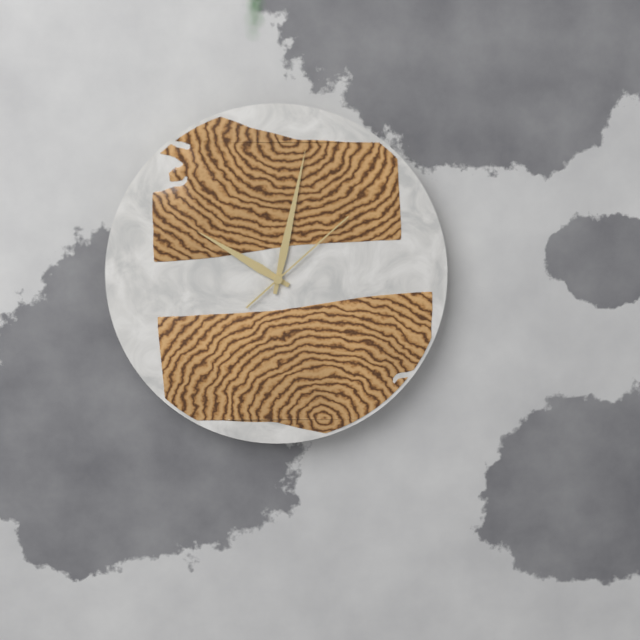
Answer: 10,02,08
